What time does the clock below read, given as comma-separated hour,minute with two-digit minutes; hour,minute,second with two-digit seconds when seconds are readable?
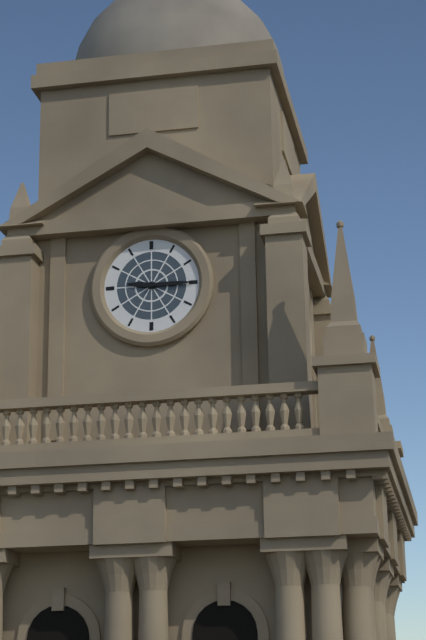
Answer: 9,15
